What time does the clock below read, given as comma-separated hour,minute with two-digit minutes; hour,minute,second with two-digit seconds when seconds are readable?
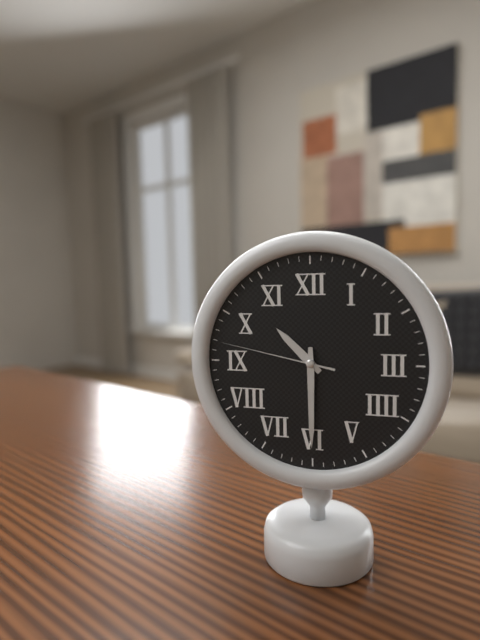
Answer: 10,30,47
